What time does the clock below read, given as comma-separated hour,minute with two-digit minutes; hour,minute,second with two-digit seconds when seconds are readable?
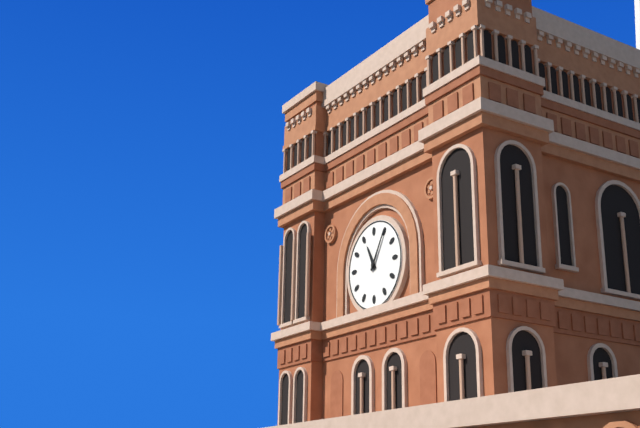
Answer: 11,05
